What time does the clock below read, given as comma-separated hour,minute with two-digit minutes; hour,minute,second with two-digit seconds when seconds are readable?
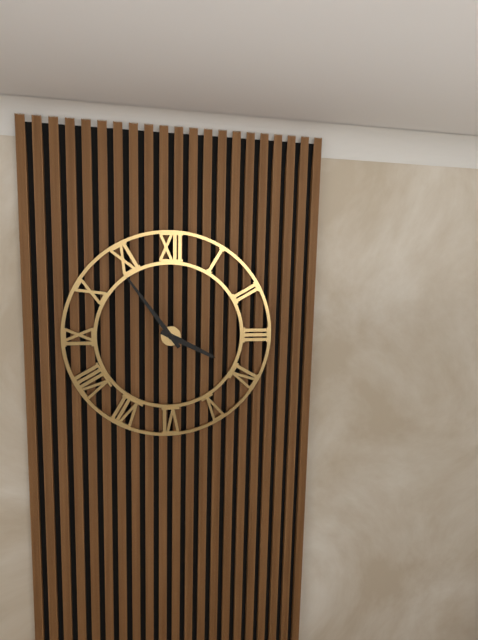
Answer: 3,54
